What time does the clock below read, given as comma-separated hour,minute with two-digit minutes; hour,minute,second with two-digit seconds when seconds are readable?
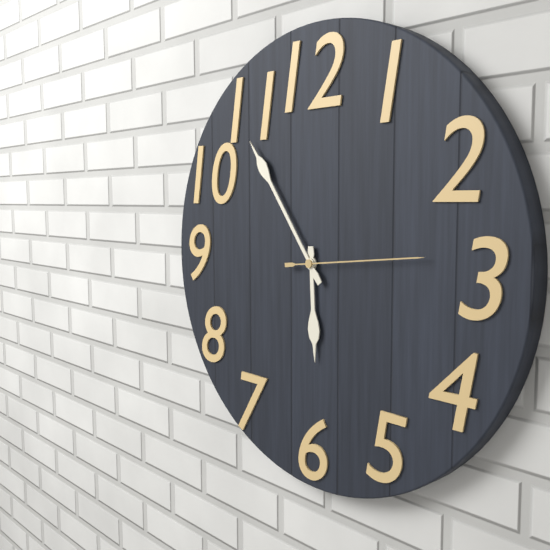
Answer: 5,54,14
